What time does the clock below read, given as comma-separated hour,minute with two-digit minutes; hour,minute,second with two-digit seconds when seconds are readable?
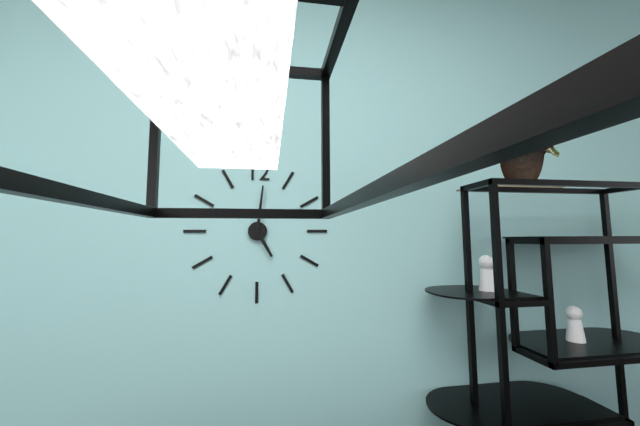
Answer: 5,01
